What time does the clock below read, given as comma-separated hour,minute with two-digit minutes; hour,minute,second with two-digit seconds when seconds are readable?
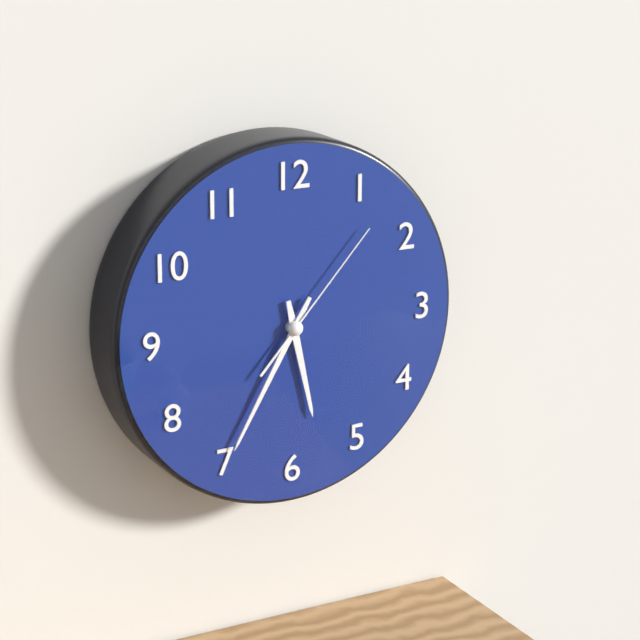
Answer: 5,35,07
